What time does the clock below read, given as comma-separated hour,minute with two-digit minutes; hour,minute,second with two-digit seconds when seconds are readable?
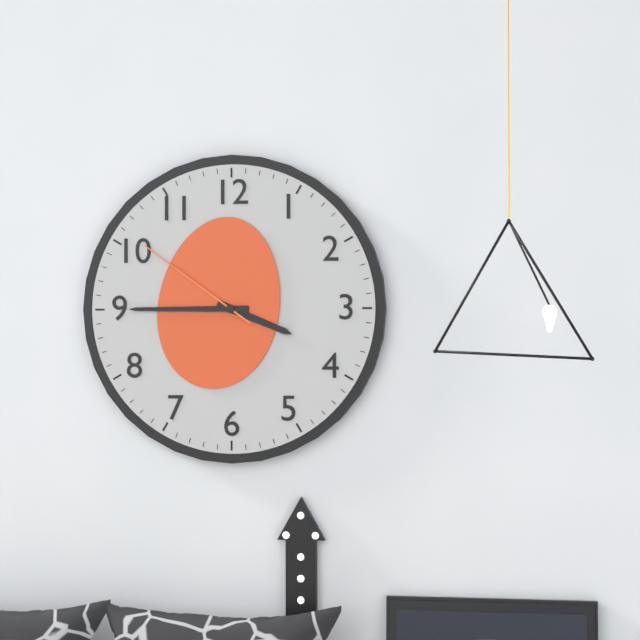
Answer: 3,45,51
